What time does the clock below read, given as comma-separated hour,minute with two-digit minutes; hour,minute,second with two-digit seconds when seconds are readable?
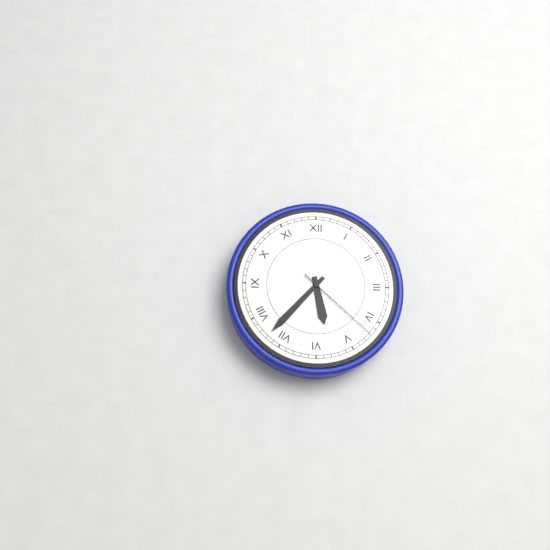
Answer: 5,37,22
